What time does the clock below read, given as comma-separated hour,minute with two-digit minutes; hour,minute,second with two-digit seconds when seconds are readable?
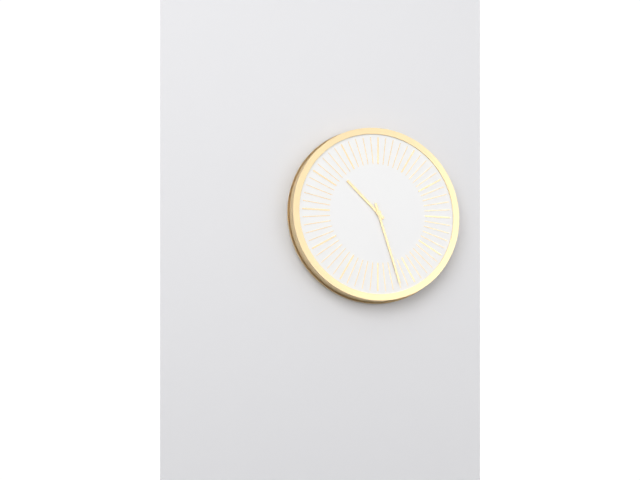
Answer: 10,27
